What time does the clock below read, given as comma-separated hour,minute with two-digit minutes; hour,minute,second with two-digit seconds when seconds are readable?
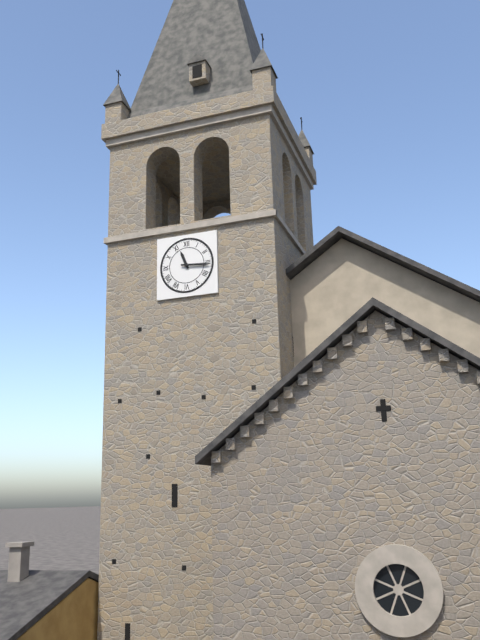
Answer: 11,16
